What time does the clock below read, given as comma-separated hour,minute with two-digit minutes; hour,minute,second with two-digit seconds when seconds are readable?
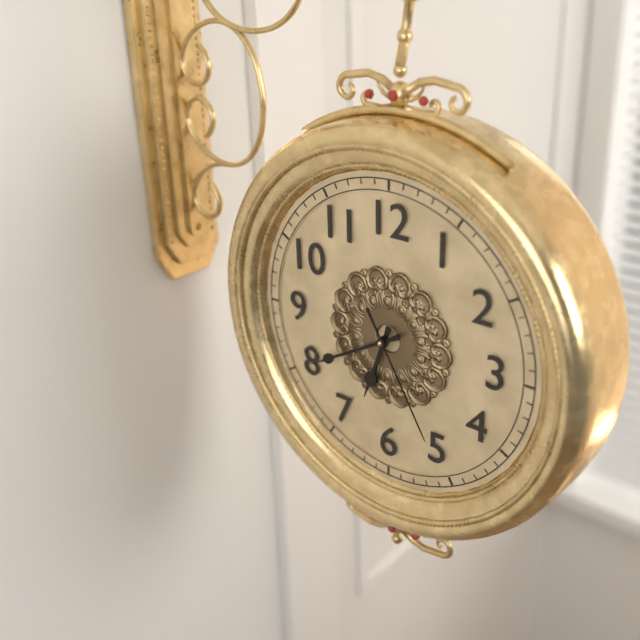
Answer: 6,40,25
